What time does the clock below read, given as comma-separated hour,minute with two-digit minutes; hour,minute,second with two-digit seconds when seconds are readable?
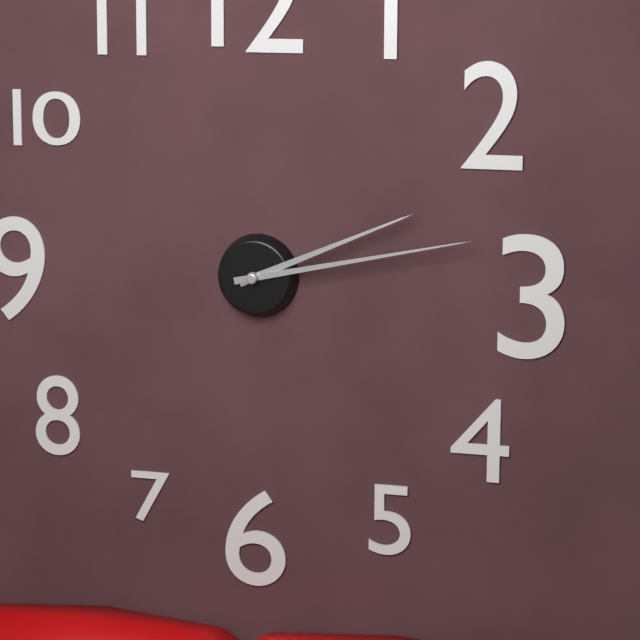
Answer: 2,13
